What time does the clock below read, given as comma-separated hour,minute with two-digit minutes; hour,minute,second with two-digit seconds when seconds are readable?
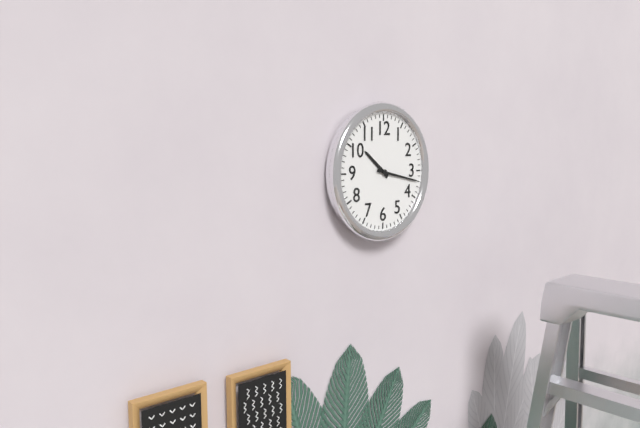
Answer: 10,17
